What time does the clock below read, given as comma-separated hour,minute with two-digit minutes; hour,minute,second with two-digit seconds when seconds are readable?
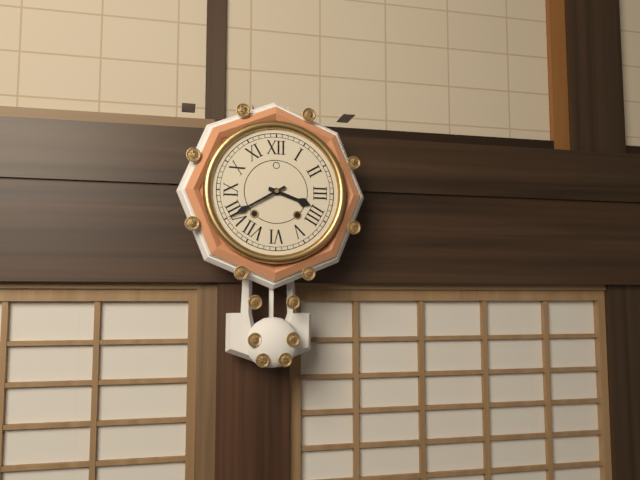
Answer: 3,40
